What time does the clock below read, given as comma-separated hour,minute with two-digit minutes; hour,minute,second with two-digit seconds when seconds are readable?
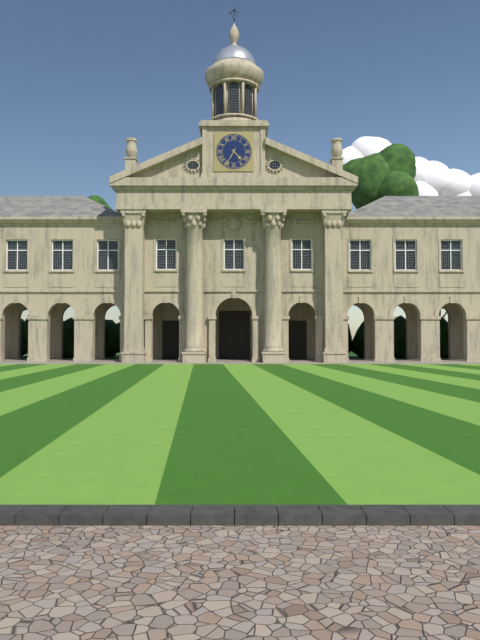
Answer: 4,35
